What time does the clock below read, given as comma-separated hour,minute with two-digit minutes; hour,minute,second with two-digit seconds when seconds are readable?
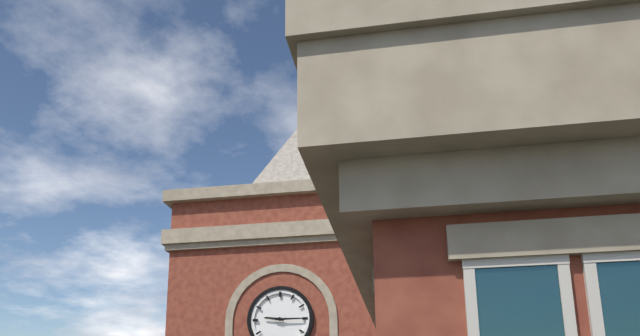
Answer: 9,15
